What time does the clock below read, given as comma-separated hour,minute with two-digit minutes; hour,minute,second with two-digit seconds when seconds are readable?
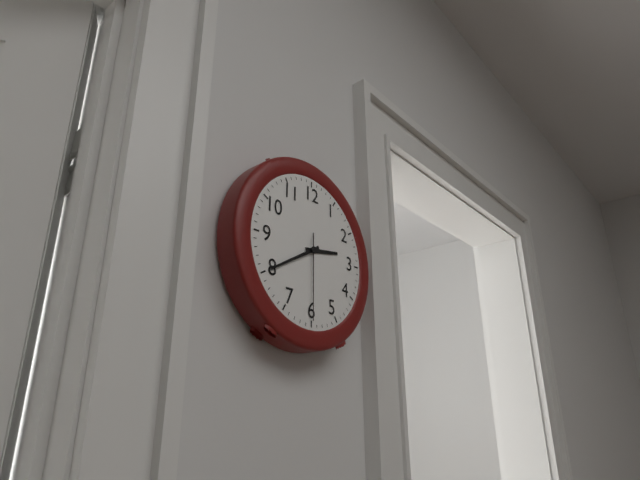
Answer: 2,40,30
